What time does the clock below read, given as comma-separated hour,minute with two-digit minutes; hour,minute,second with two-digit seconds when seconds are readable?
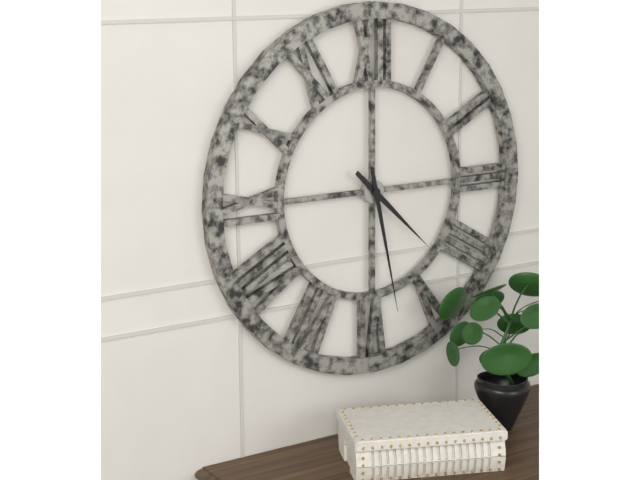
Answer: 4,28
